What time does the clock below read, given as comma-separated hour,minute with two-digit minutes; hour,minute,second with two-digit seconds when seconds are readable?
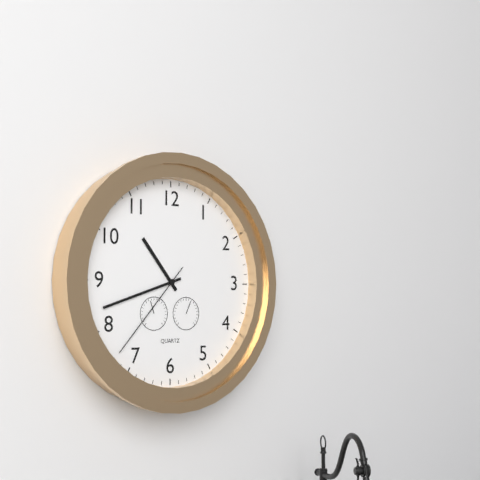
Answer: 10,42,37
